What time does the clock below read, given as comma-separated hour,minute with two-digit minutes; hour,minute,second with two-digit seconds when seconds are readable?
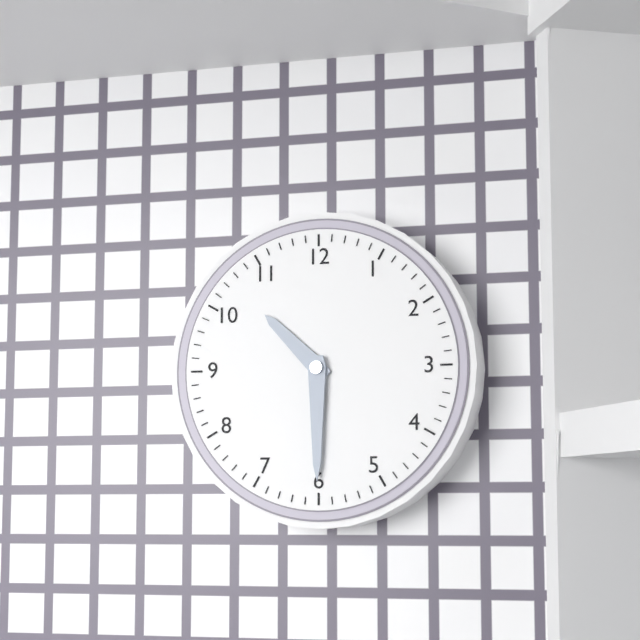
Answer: 10,30
